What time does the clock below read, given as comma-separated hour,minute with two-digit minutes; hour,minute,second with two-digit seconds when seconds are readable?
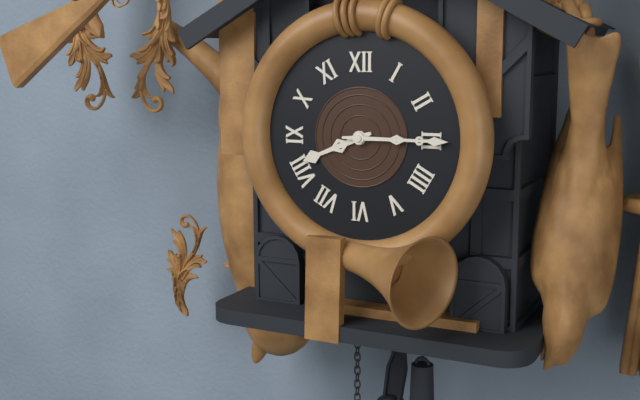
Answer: 8,15
